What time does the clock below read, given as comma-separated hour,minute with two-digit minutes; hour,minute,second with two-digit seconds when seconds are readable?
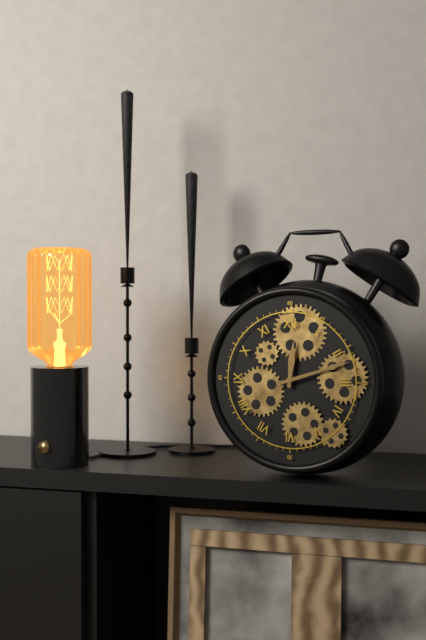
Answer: 12,12
